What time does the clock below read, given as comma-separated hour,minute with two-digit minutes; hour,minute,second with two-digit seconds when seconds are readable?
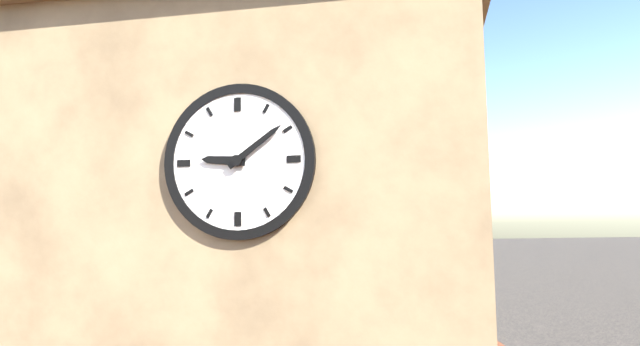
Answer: 9,09
